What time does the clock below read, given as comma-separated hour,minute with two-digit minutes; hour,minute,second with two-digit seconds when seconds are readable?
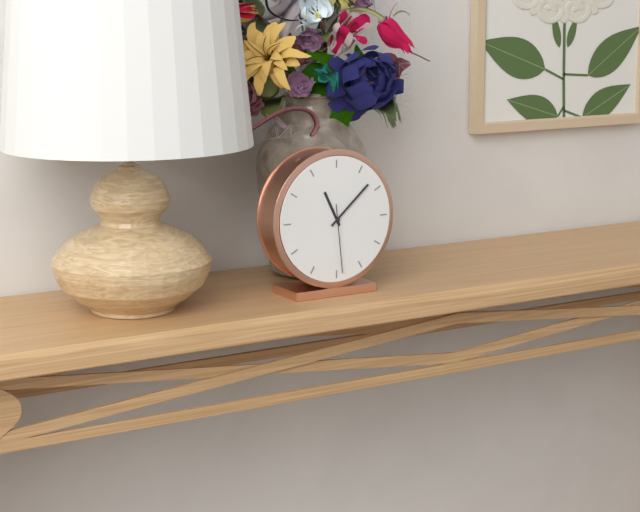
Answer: 11,08,29
